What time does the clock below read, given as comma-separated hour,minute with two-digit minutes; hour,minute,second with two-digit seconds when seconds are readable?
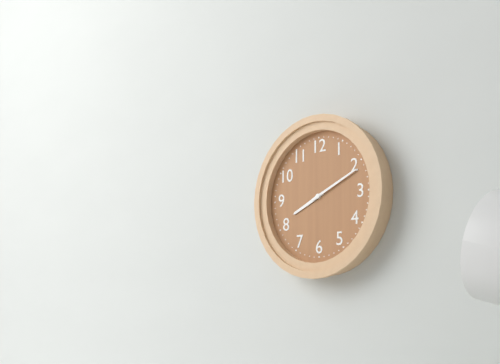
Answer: 8,11
